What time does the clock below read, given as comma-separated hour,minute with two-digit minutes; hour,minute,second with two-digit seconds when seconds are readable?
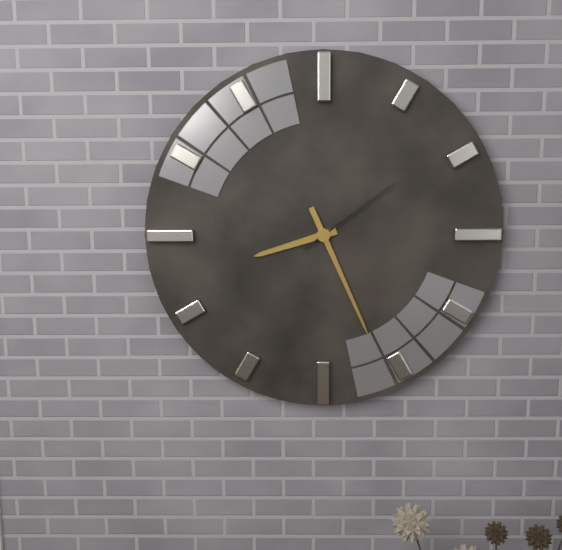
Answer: 8,26,09
